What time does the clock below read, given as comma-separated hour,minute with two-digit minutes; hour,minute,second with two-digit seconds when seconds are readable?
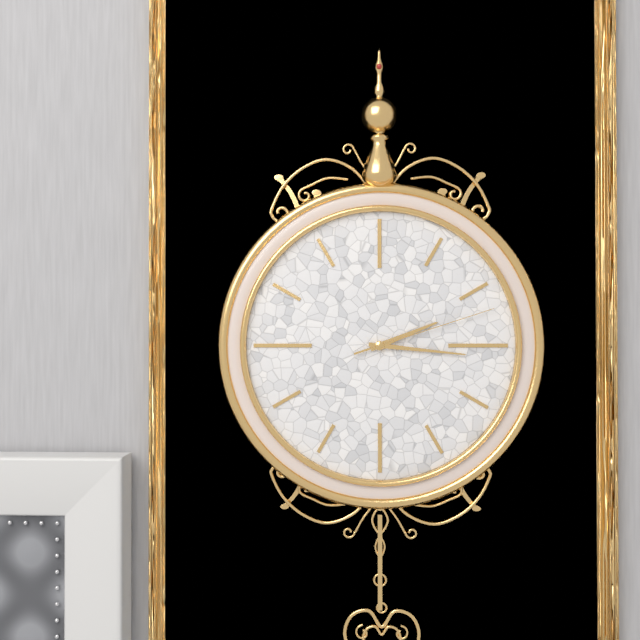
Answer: 2,16,12
